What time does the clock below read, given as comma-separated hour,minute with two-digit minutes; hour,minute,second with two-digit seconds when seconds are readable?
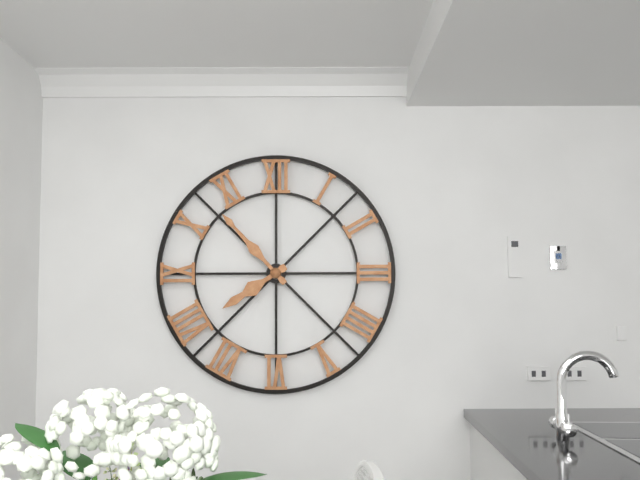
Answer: 7,53
